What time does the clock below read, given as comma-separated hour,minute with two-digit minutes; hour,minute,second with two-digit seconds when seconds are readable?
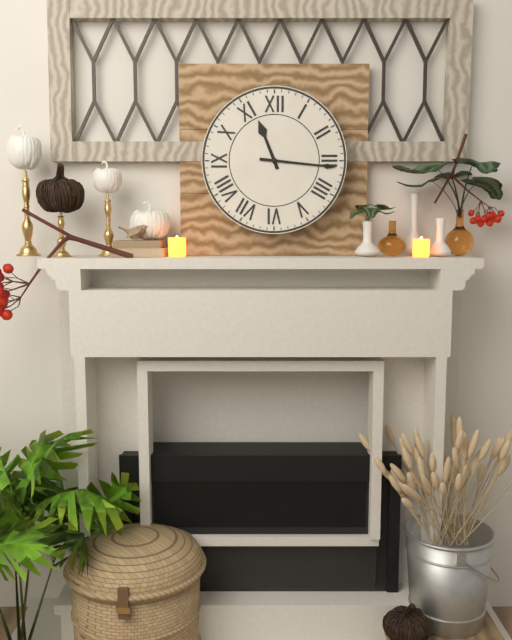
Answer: 11,16
